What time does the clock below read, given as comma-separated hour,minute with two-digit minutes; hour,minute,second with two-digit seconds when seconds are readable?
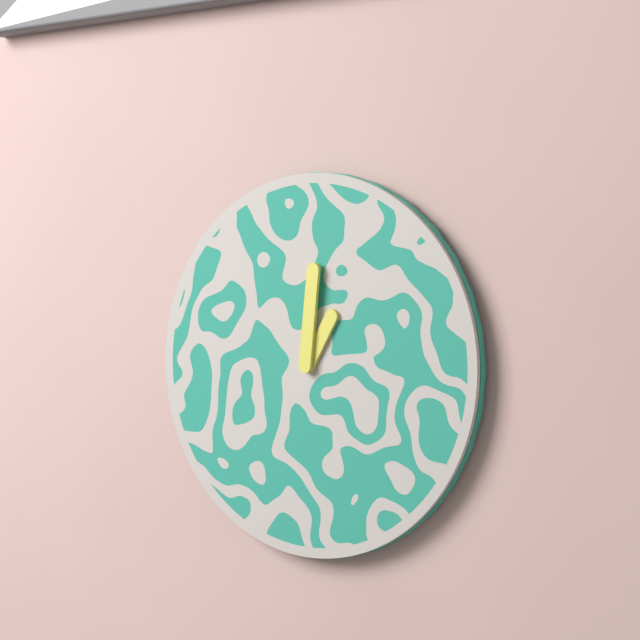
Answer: 1,01
